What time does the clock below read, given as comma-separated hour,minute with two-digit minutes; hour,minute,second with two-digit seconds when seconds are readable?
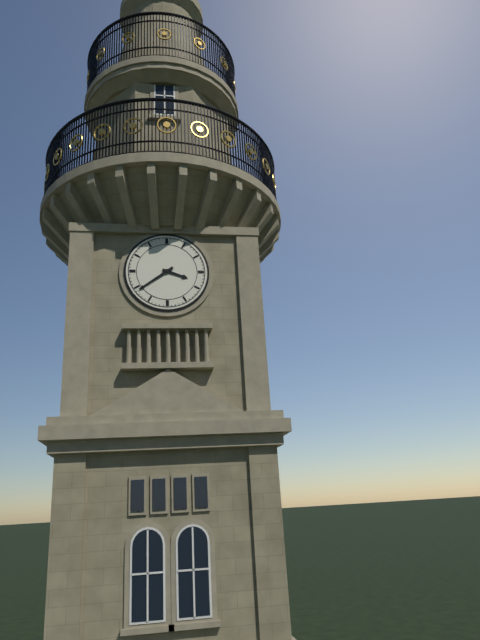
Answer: 3,39
